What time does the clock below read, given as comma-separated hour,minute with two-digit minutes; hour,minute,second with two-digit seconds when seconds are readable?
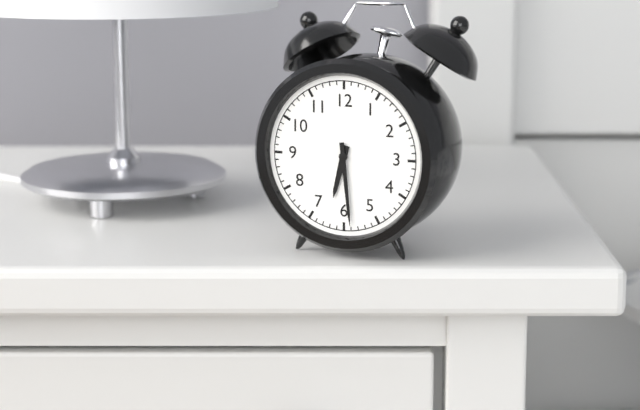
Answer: 6,29
